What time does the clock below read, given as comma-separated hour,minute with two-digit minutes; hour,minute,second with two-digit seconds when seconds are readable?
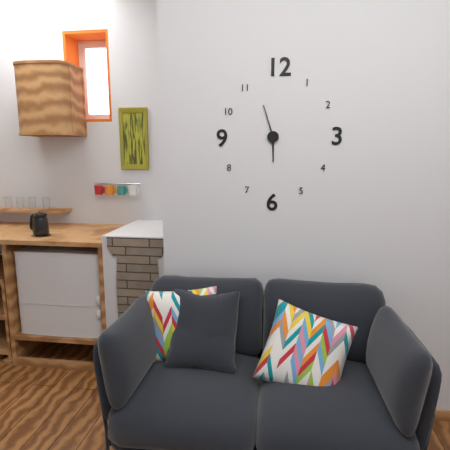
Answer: 5,57
